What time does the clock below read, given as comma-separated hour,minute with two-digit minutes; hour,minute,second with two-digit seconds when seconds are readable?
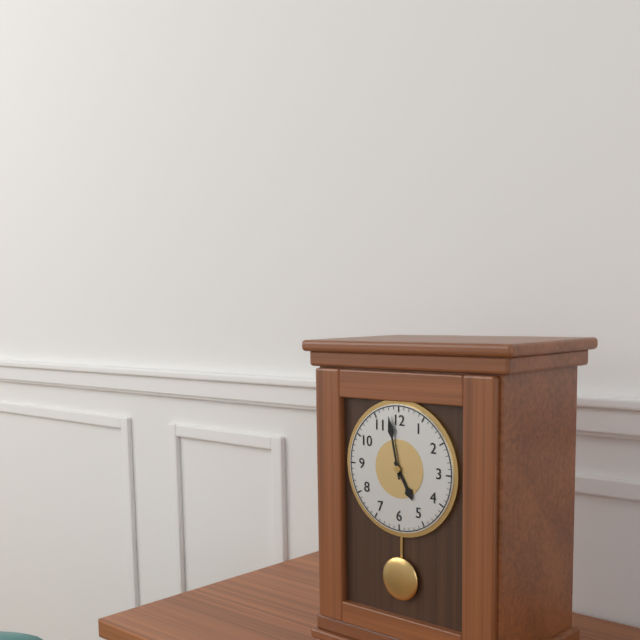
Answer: 4,58
